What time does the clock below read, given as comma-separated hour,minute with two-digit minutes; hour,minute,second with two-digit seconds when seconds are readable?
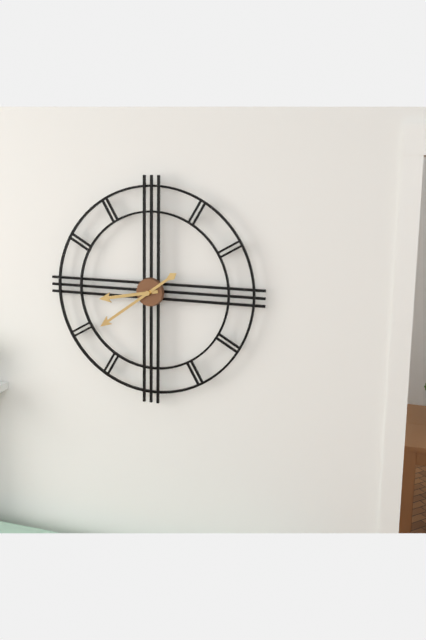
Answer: 8,39
